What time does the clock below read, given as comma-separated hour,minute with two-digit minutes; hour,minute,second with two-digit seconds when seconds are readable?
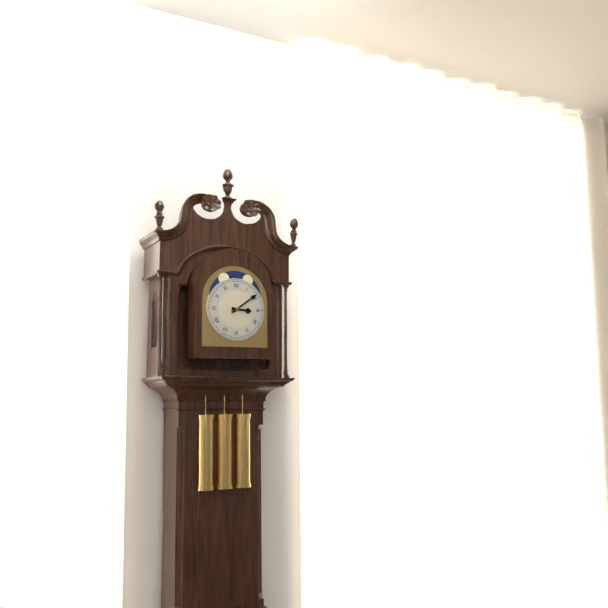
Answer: 3,09
